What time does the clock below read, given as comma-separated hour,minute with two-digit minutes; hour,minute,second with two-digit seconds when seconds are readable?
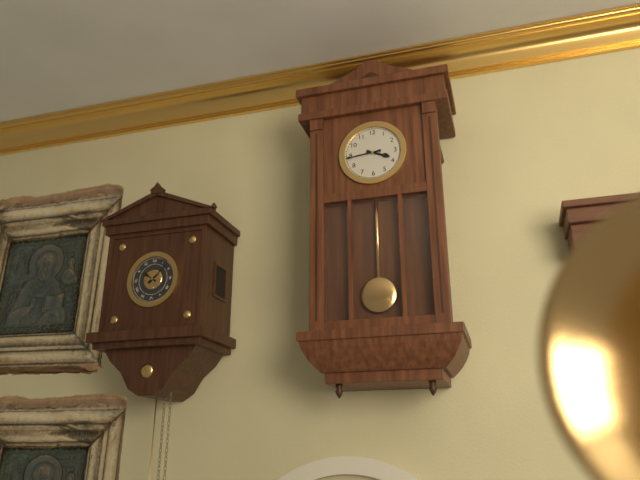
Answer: 3,44
